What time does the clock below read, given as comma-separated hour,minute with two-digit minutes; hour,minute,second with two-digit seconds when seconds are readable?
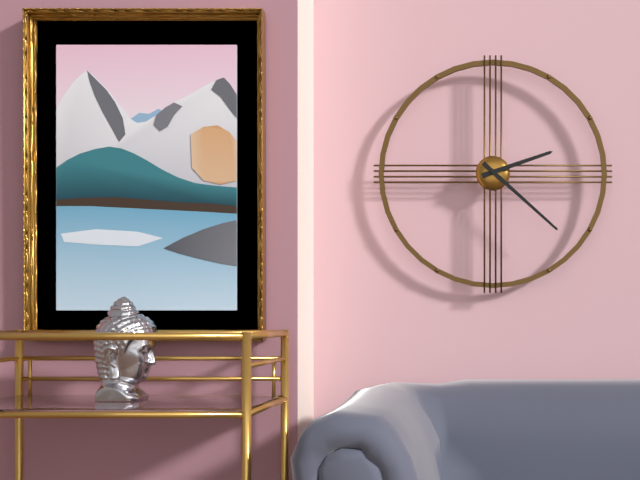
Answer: 2,22
